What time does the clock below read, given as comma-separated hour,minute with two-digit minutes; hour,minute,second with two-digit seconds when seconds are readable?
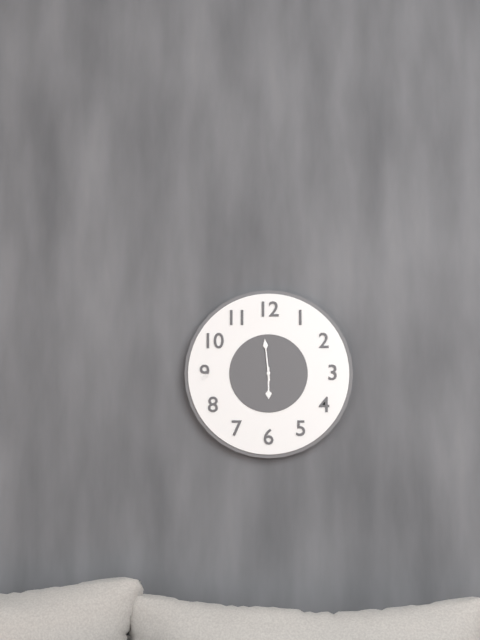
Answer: 5,59
